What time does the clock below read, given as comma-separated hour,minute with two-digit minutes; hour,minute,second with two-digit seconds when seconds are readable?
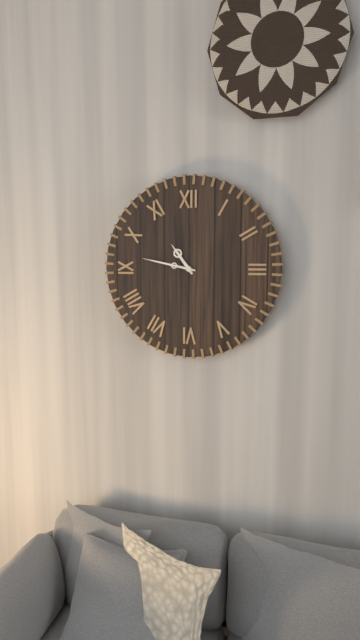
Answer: 10,47
